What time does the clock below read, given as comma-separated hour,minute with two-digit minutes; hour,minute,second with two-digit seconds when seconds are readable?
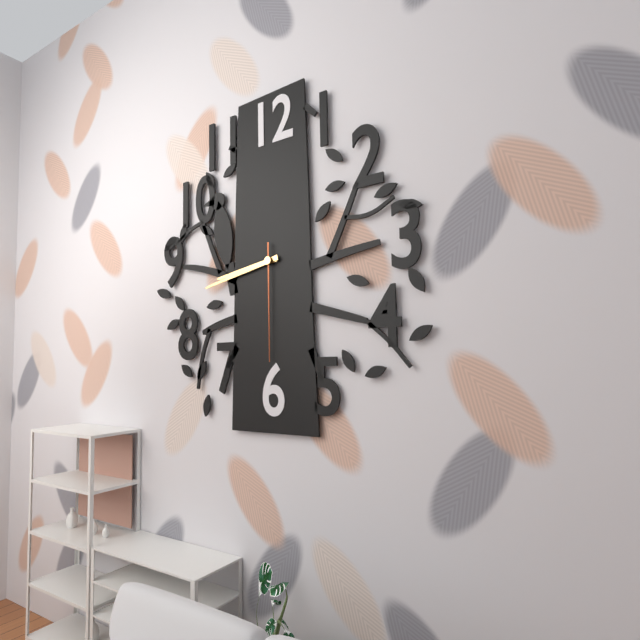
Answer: 8,43,30
